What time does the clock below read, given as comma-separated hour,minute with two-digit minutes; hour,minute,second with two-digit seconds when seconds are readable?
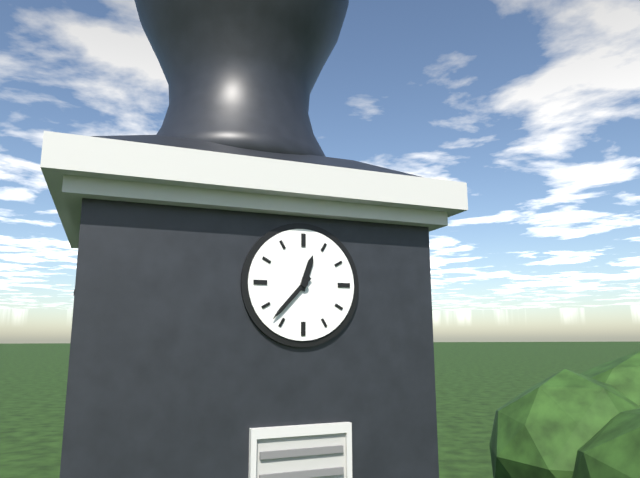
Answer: 12,37
